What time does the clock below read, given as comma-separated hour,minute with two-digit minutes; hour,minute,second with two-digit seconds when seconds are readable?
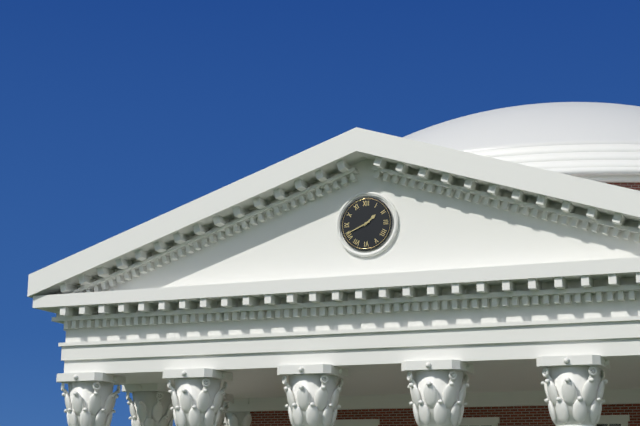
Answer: 1,41
